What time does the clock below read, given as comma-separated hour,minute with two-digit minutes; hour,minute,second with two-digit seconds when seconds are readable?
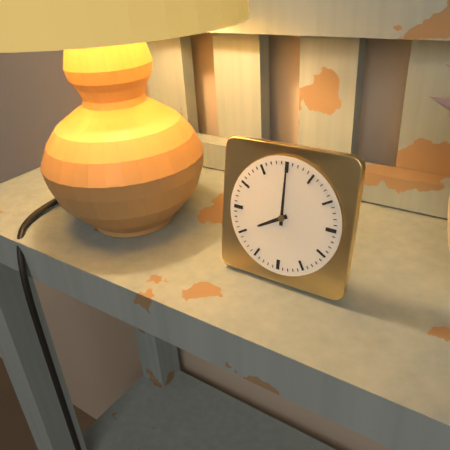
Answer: 8,00
